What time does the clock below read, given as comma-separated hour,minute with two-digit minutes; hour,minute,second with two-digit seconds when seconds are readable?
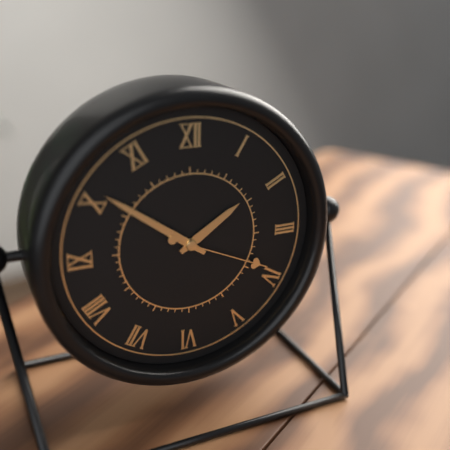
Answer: 1,51,19
